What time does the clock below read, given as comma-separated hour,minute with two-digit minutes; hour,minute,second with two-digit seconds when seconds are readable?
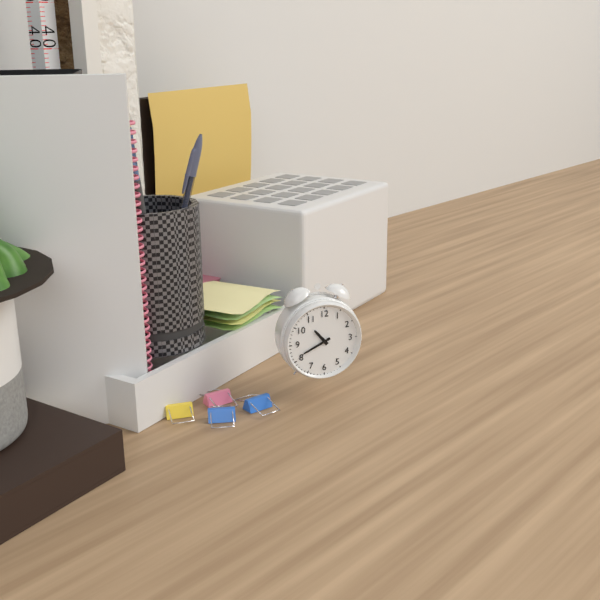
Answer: 10,41
